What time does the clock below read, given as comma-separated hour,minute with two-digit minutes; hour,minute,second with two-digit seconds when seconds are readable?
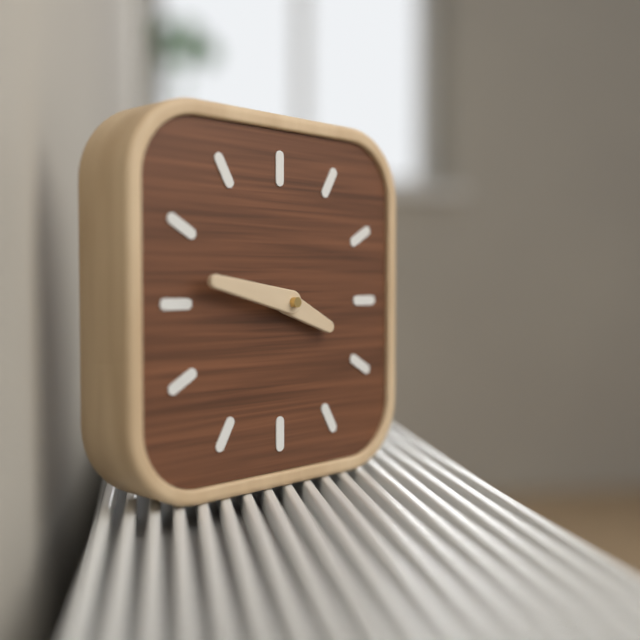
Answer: 3,47
